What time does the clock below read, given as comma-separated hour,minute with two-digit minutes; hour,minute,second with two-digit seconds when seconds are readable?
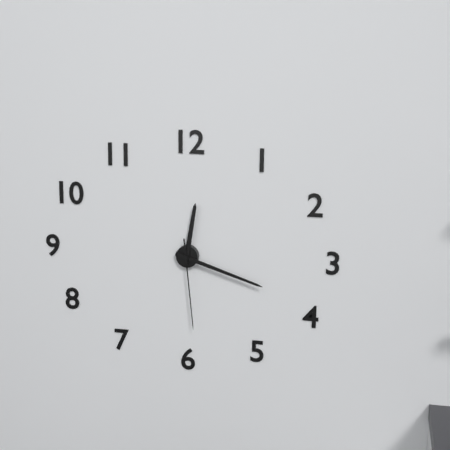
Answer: 12,18,29
